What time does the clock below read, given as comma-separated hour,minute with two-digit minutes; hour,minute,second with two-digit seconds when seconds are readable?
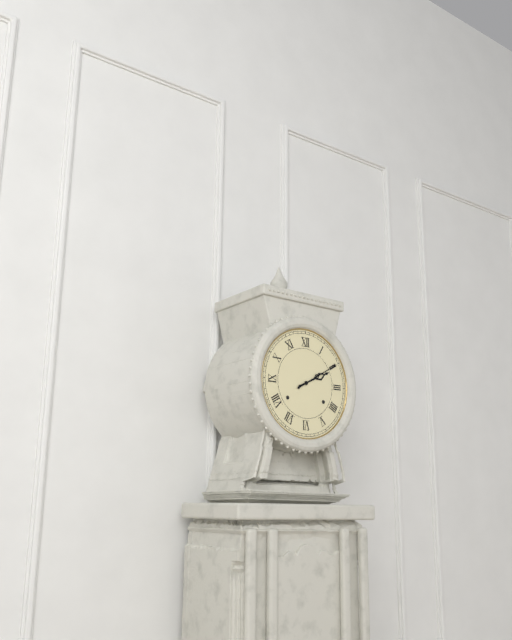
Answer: 2,10
